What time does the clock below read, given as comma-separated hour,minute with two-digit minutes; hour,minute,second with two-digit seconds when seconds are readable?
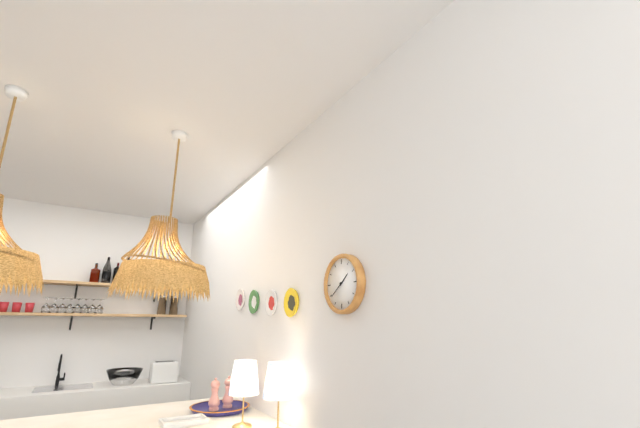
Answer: 1,39
